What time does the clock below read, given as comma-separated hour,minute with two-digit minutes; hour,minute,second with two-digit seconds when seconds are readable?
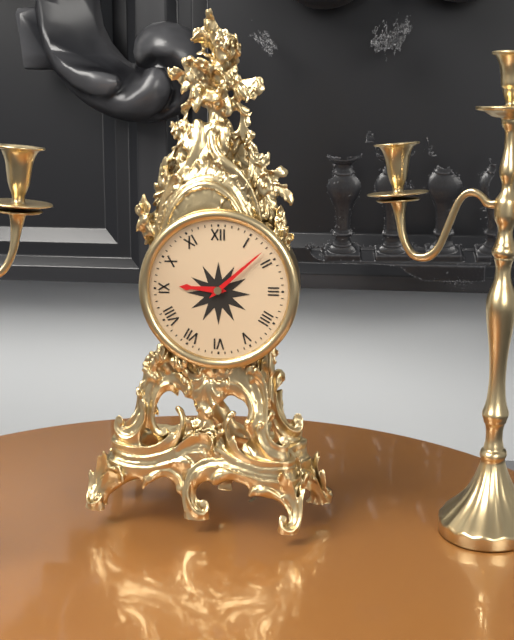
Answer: 9,08
